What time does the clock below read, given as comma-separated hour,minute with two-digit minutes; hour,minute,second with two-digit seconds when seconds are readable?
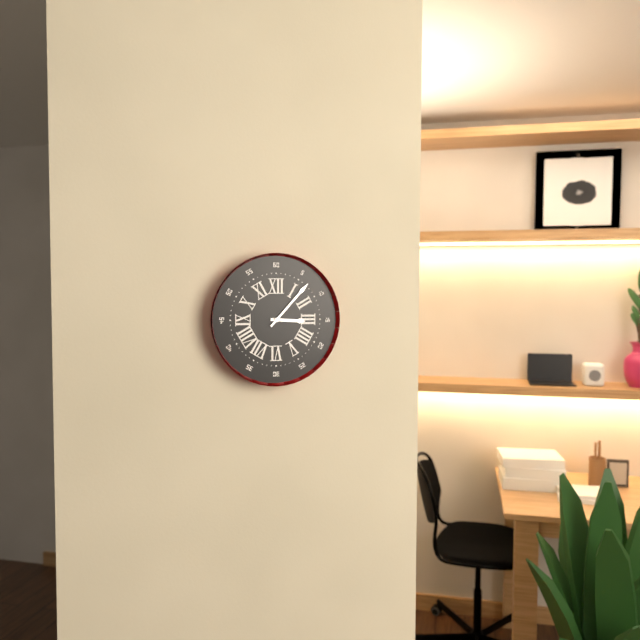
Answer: 3,07
